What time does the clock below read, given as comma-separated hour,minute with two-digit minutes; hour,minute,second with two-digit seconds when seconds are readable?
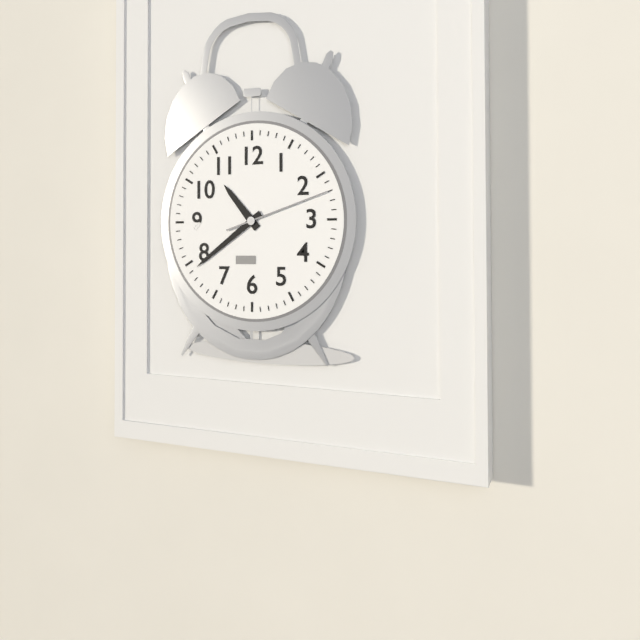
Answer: 10,39,12
